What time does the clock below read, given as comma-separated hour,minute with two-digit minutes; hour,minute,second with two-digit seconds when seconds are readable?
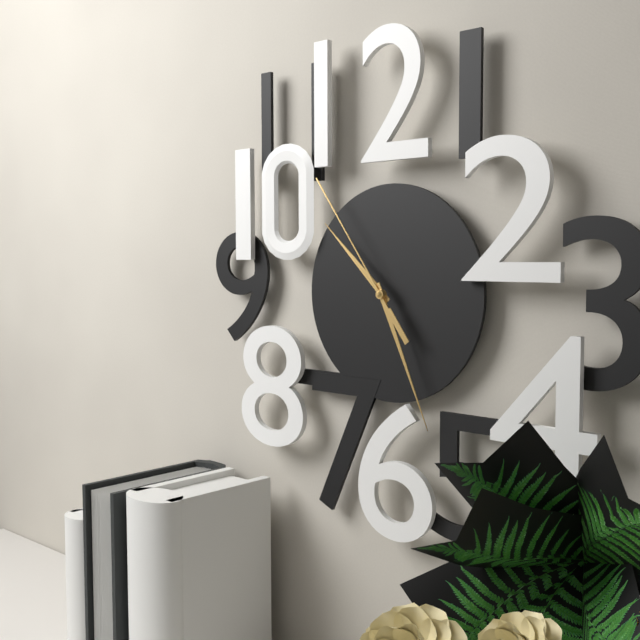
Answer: 10,26,54
